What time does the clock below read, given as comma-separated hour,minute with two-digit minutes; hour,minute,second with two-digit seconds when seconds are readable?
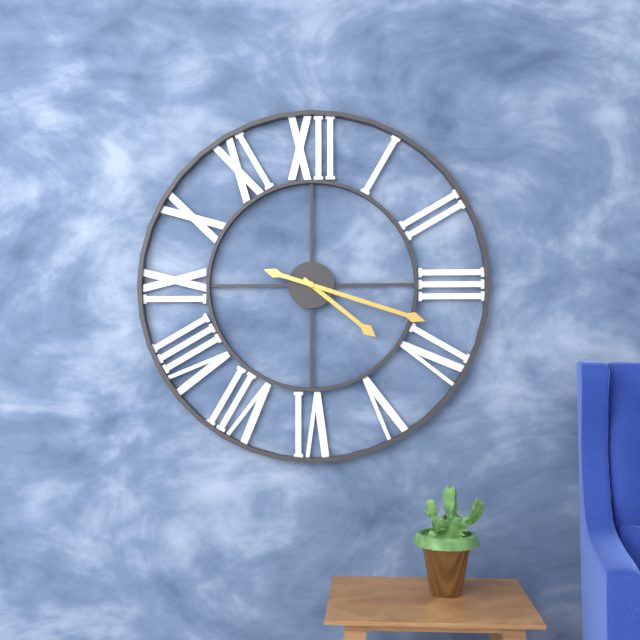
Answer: 4,18
